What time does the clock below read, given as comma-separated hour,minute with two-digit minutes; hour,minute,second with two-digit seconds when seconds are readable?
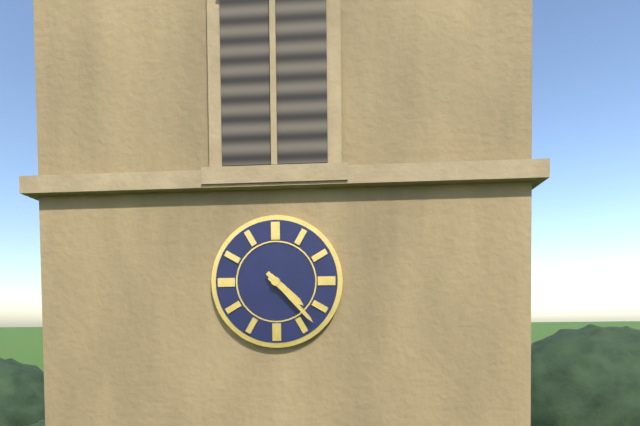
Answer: 4,23
